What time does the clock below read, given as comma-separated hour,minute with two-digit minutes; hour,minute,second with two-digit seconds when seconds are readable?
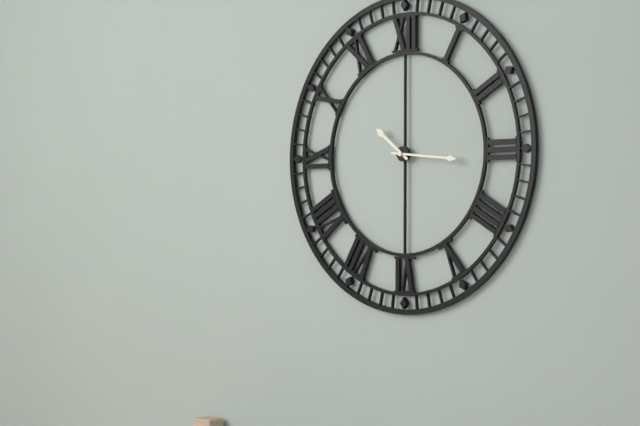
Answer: 10,16
